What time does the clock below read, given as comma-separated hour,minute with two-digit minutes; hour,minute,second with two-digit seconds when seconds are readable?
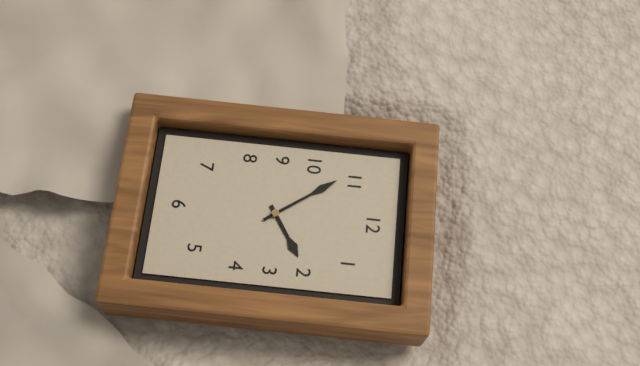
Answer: 1,54
